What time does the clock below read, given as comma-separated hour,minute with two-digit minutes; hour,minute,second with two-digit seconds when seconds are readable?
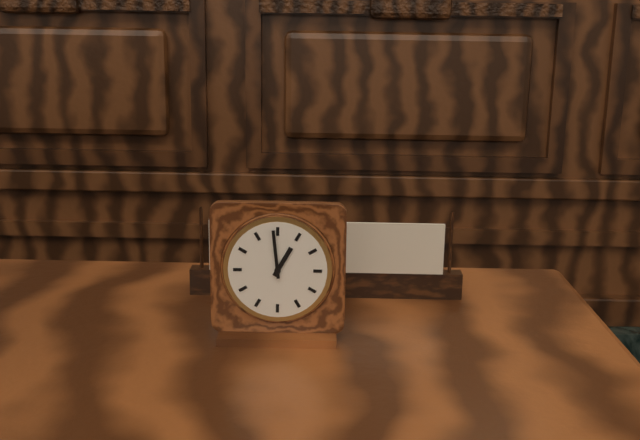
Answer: 12,59
